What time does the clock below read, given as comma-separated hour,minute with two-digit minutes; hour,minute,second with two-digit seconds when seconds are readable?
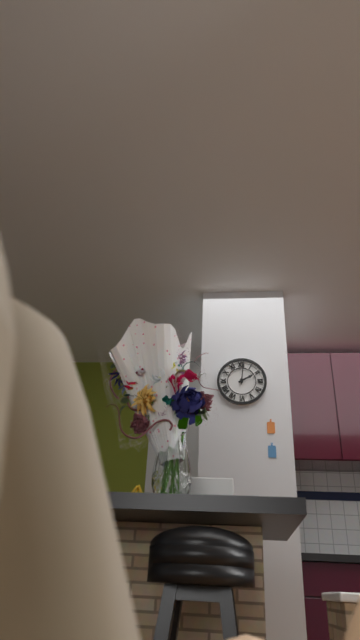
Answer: 2,01
